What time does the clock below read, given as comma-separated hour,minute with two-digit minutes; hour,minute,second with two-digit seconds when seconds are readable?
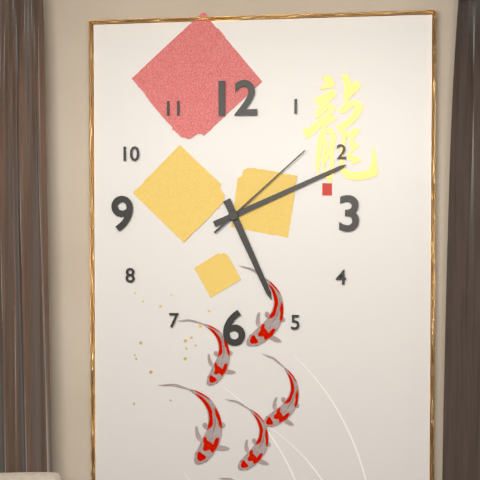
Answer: 5,11,08
